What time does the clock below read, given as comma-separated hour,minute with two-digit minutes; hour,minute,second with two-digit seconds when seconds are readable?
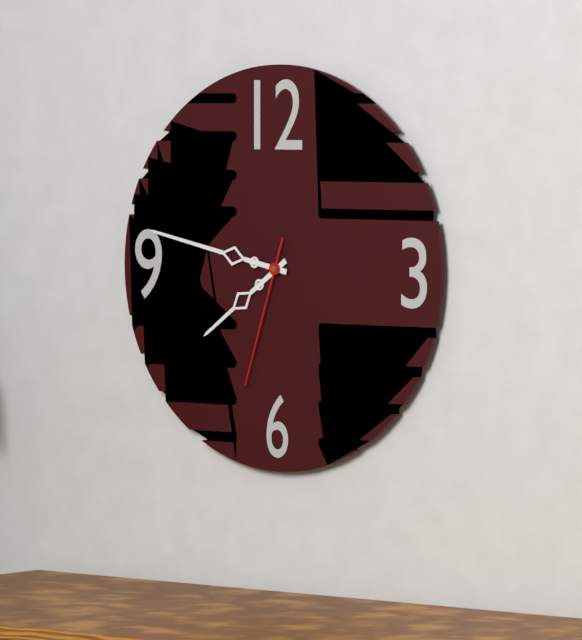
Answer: 7,47,33
